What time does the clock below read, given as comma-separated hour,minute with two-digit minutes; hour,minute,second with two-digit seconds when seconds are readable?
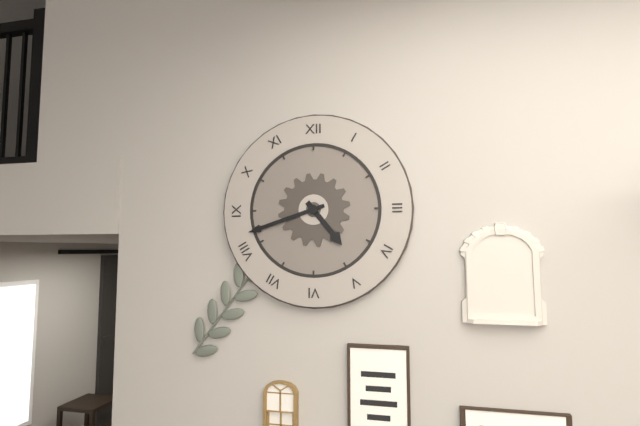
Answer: 4,42
